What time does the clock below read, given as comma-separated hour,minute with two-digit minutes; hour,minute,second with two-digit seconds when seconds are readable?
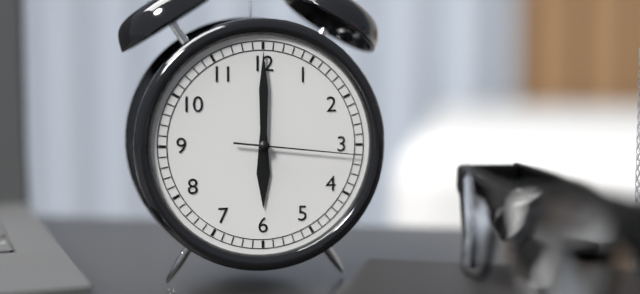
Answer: 6,00,16
